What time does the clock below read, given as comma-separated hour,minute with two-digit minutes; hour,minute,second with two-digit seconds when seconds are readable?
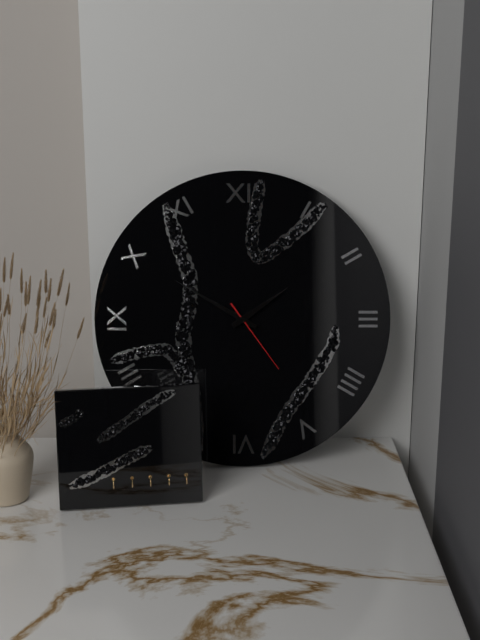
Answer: 1,50,24
